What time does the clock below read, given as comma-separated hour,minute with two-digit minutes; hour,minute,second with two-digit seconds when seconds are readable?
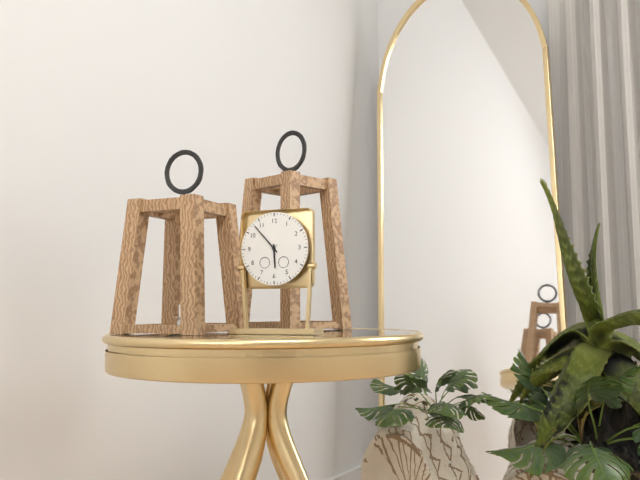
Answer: 5,53
